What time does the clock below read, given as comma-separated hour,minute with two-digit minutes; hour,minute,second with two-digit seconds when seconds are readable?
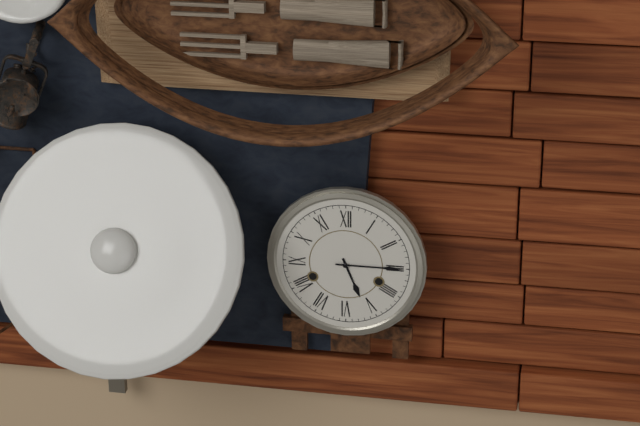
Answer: 5,15
